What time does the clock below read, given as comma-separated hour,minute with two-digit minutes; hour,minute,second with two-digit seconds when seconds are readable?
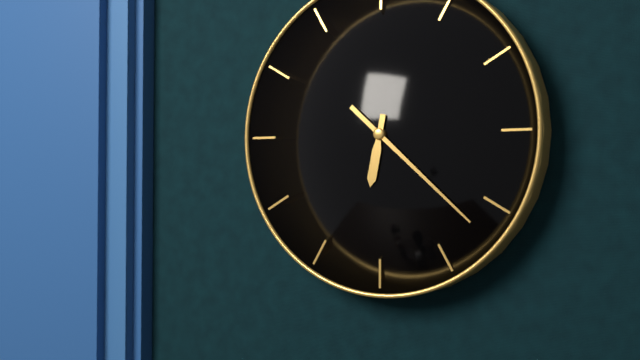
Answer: 6,22
